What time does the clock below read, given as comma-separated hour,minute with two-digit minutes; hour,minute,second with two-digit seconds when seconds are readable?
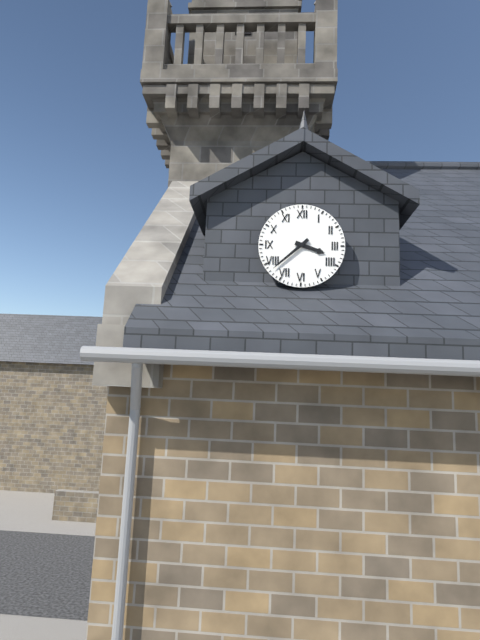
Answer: 3,38
